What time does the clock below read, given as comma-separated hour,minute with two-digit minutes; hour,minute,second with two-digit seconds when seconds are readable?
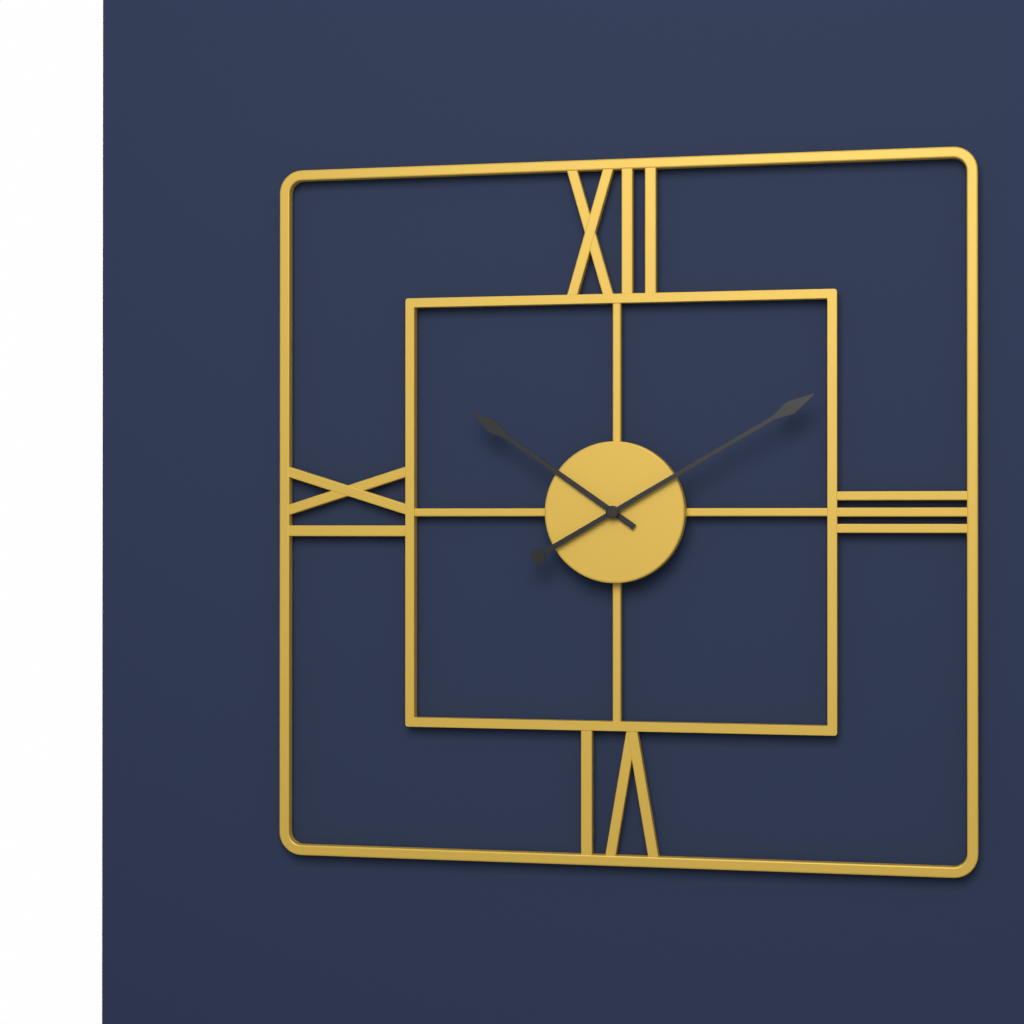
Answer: 10,10
